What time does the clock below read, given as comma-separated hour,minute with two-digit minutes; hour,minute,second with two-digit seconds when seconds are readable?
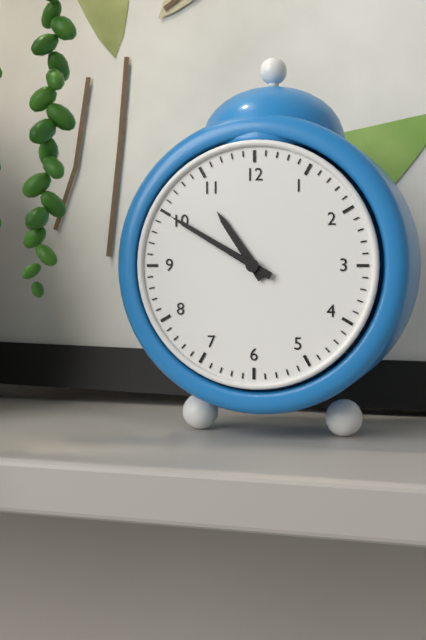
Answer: 10,50
